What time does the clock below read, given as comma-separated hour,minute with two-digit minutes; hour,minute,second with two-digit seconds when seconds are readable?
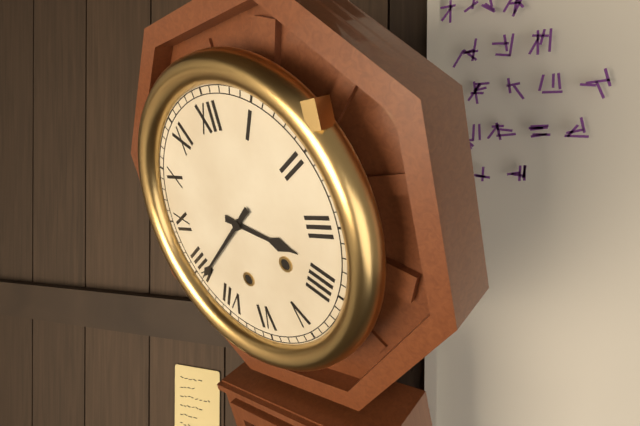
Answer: 3,39
